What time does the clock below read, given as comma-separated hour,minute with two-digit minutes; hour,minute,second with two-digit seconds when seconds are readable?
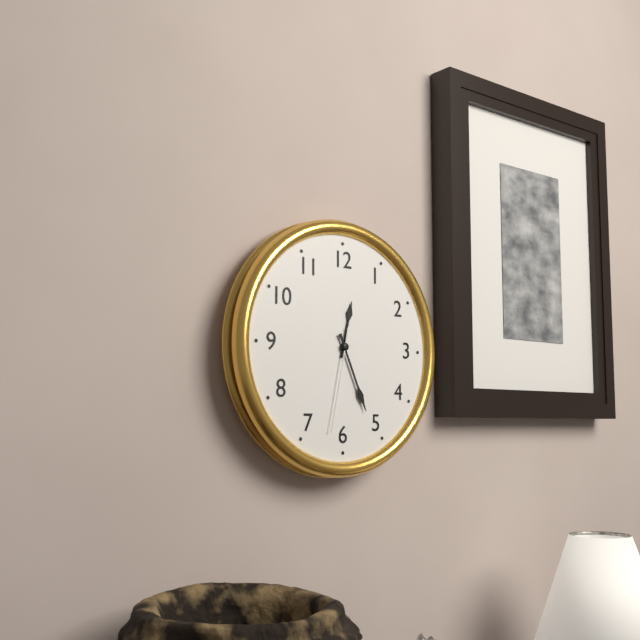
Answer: 12,26,32
